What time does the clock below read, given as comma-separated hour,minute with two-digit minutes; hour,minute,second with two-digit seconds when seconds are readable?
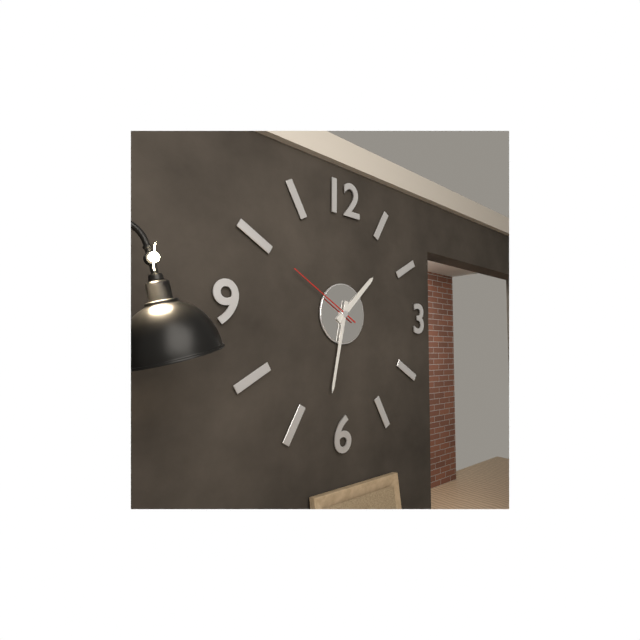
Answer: 1,32,50
